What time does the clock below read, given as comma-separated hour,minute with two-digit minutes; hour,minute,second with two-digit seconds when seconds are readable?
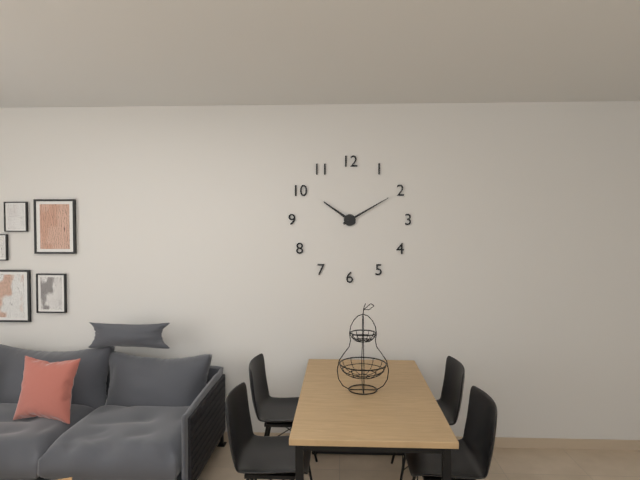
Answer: 10,10
